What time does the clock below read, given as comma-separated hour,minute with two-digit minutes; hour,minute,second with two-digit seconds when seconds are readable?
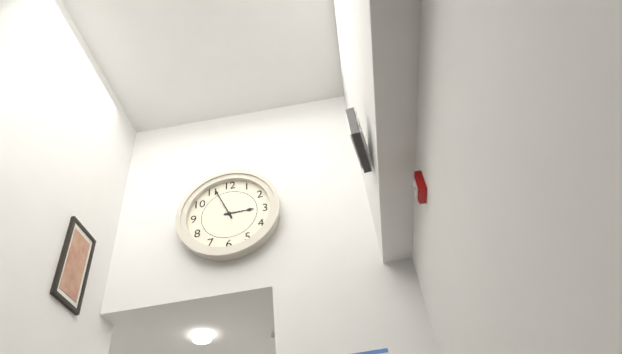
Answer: 2,56
